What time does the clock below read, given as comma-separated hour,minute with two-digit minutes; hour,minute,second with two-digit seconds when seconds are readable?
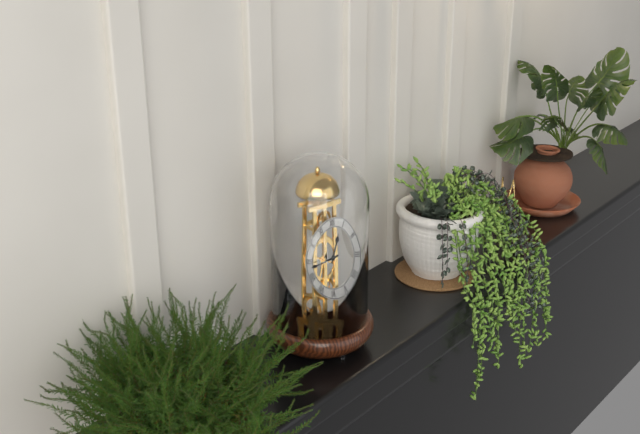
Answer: 12,43
